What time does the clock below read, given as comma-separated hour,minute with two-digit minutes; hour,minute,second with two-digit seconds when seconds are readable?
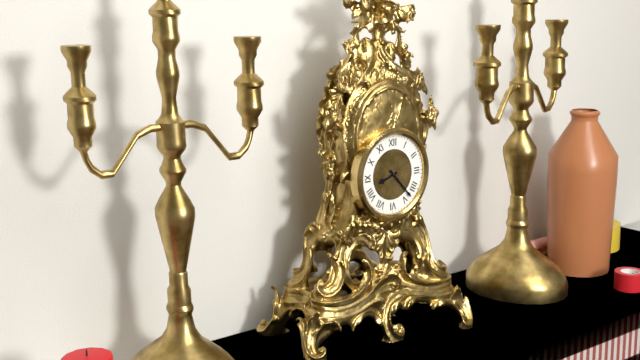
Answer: 8,23
